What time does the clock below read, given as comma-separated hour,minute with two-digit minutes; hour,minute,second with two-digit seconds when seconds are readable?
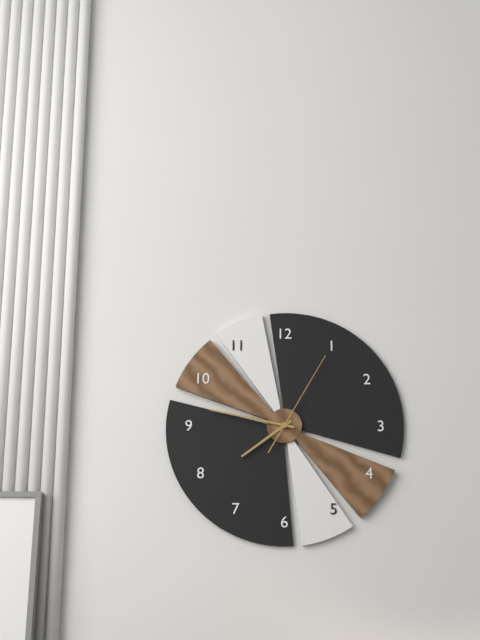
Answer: 7,47,05
